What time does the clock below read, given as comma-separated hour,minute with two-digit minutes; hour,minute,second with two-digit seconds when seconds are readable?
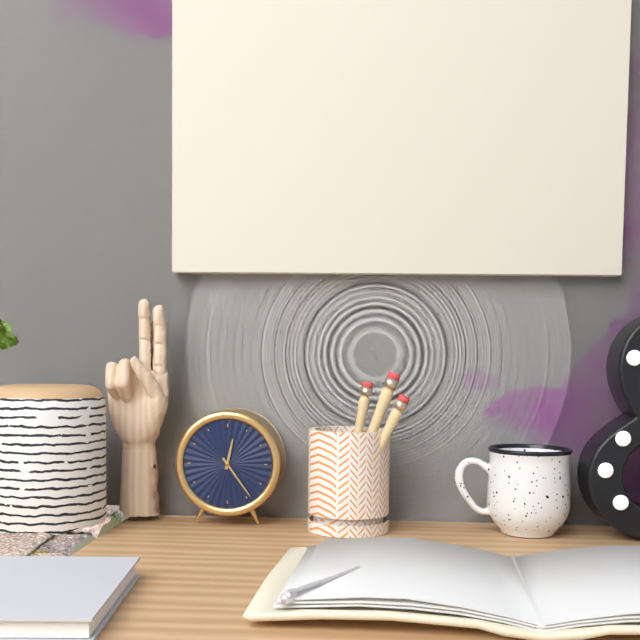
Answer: 12,24
